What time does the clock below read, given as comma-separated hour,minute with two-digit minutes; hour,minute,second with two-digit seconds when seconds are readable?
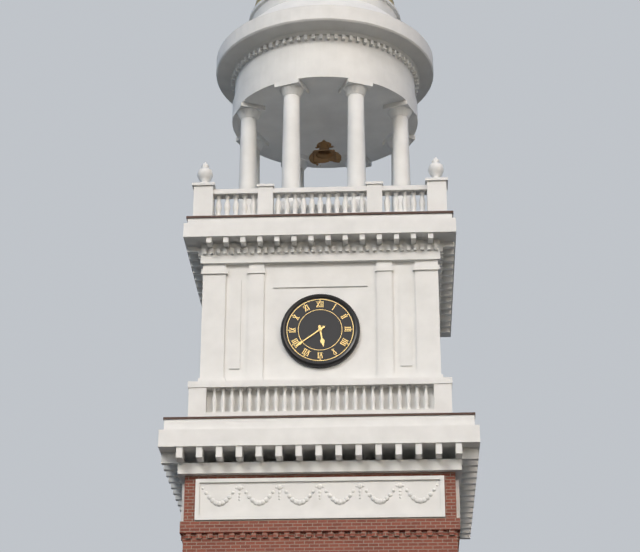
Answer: 5,39
